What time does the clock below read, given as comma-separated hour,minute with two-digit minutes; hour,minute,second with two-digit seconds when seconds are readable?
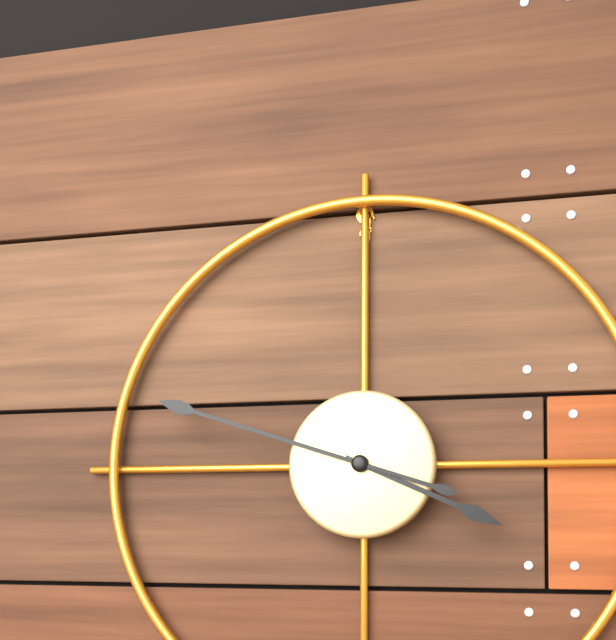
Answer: 3,48
